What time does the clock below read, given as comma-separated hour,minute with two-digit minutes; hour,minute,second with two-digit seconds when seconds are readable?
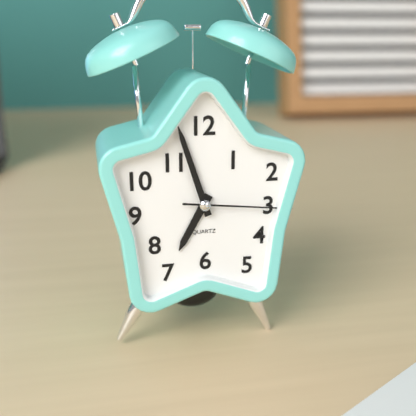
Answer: 6,57,16
